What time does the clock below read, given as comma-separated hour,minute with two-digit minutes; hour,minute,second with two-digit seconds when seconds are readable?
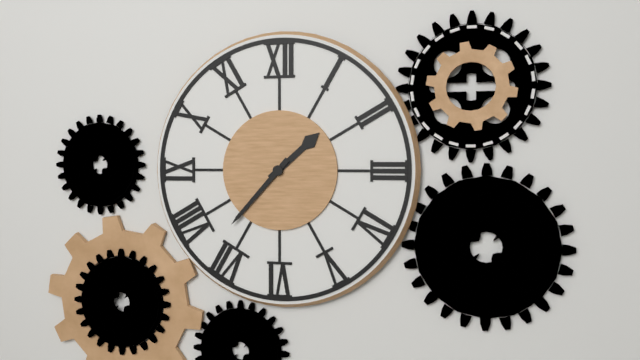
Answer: 1,37
